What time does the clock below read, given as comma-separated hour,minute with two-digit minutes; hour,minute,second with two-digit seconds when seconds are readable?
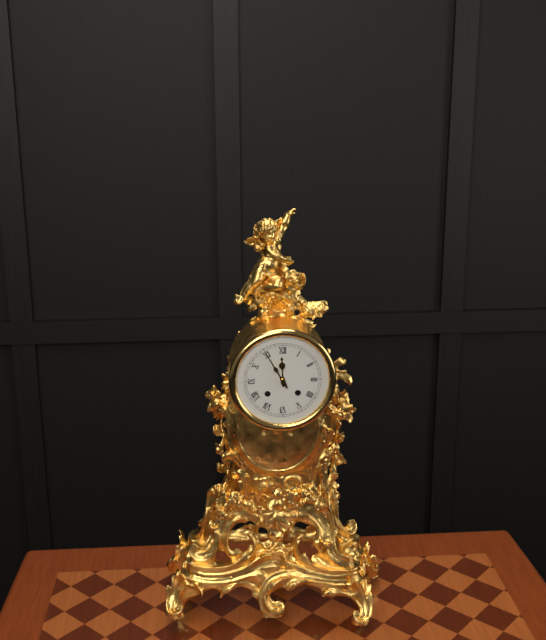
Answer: 11,55
